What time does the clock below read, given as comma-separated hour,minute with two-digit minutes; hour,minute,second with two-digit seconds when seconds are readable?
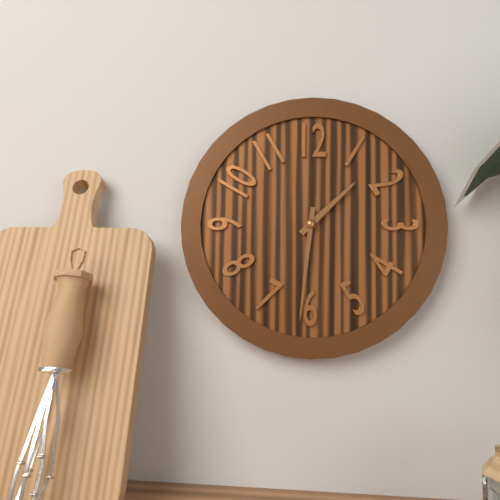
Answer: 1,31
